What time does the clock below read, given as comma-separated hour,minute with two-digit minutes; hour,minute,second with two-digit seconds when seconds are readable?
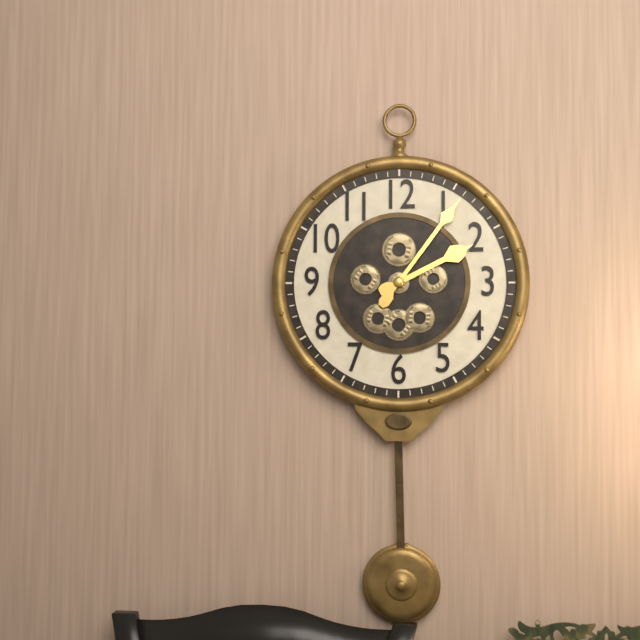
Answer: 2,06
